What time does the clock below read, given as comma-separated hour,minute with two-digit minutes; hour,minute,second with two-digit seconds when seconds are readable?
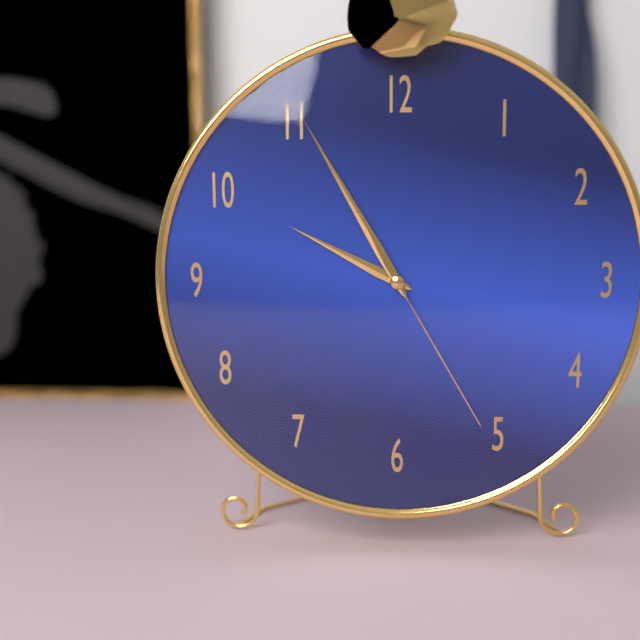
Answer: 9,55,25
